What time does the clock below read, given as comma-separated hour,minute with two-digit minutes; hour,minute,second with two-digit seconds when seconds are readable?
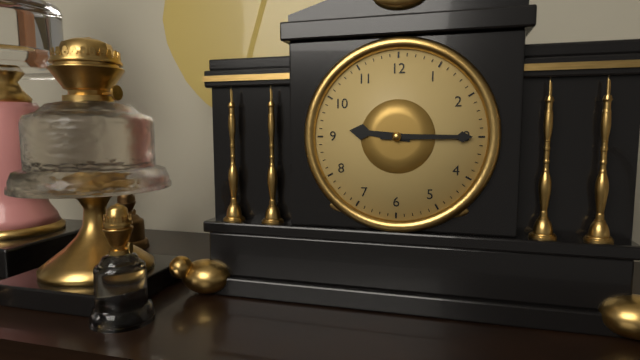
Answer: 9,15
